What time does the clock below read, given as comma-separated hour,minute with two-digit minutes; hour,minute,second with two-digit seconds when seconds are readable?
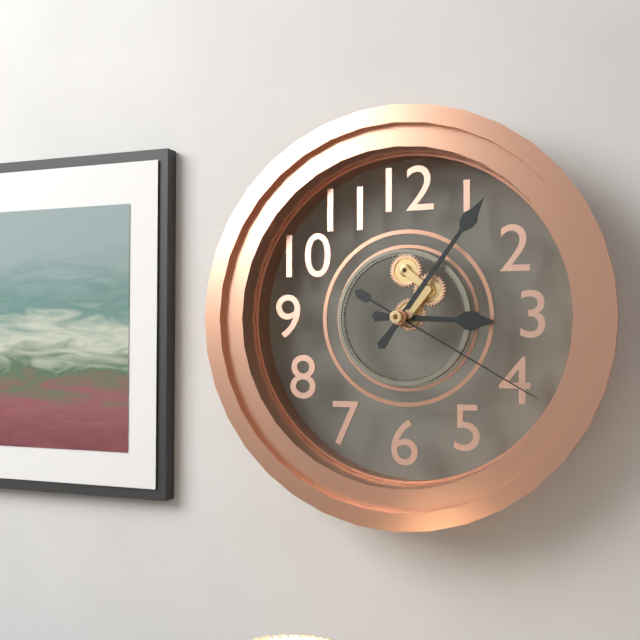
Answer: 3,06,20
